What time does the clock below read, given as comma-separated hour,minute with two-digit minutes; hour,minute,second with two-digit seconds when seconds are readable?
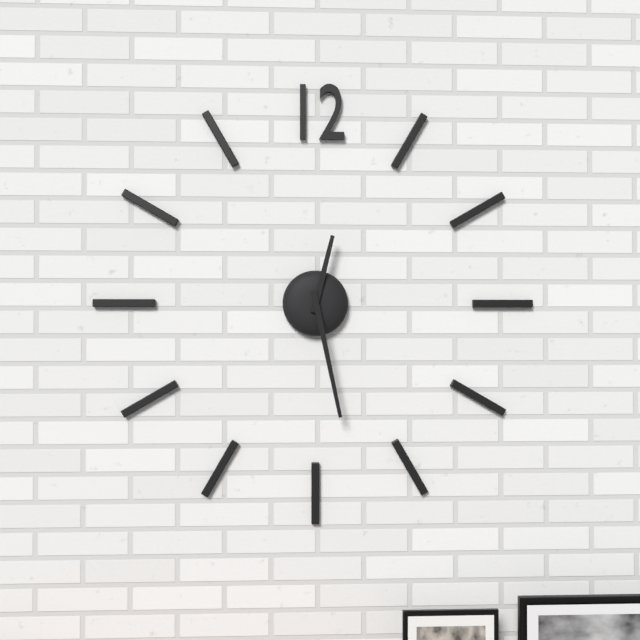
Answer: 12,28
